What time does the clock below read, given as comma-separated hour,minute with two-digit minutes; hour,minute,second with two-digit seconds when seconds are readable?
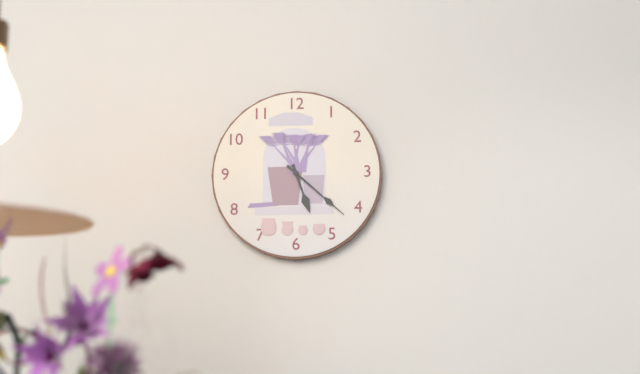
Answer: 5,22
